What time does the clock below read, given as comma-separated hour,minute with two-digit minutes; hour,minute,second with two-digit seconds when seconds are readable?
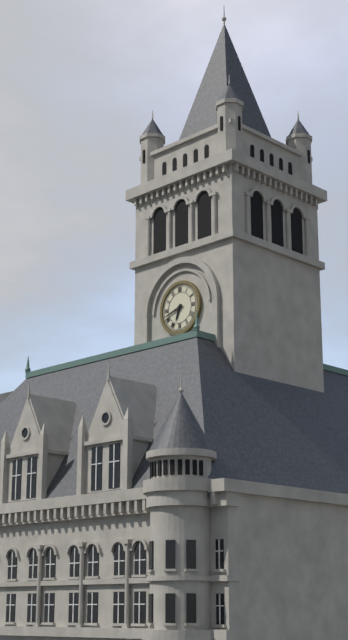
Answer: 6,42
